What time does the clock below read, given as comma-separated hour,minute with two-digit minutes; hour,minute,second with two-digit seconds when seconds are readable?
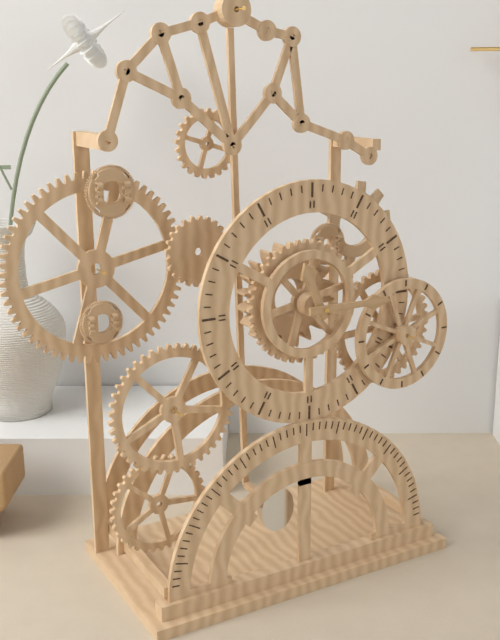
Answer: 11,15
